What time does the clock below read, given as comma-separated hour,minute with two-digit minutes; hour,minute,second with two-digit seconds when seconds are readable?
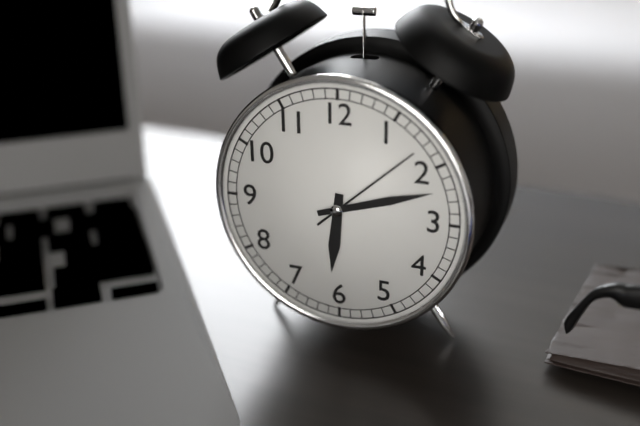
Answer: 6,12,08
